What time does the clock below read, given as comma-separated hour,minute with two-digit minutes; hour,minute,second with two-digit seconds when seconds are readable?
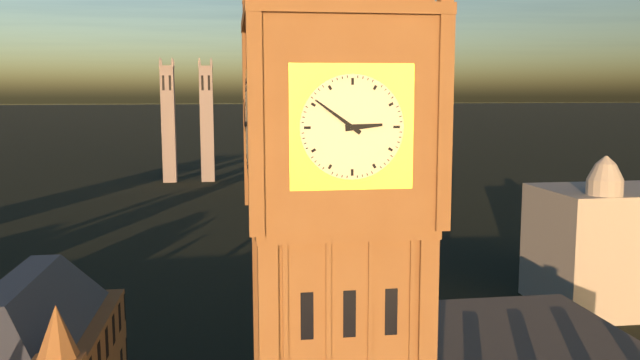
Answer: 2,51
